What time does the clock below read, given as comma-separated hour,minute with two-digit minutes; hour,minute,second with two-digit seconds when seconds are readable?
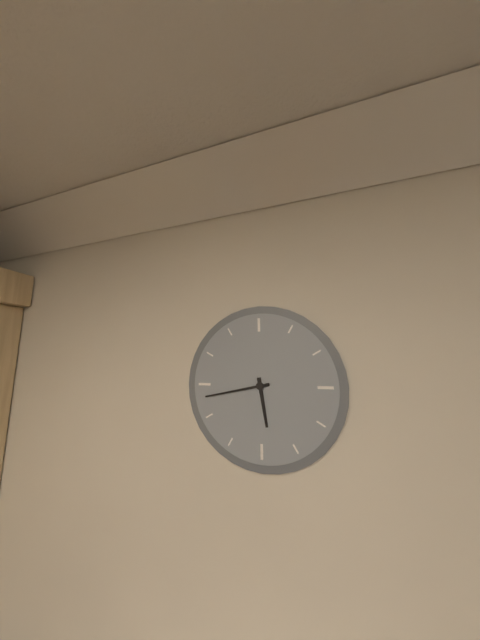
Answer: 5,43
